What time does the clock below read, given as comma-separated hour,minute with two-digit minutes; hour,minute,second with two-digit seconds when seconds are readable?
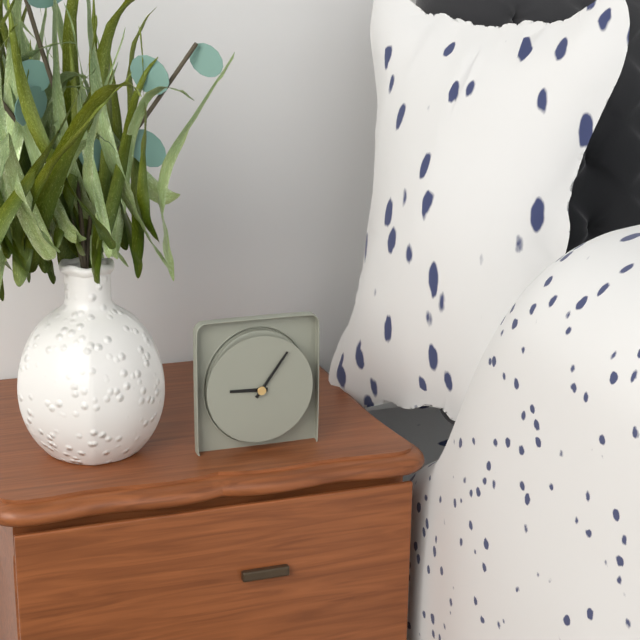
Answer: 9,06
